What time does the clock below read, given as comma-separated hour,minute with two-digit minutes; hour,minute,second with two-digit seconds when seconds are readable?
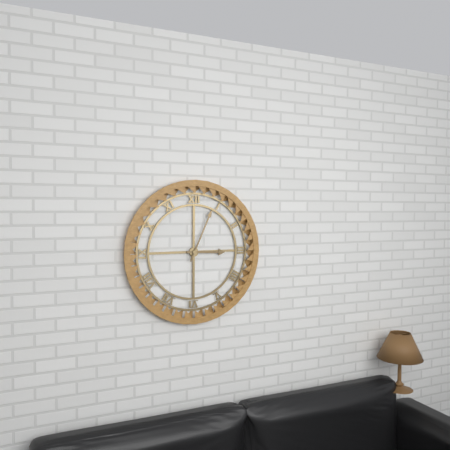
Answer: 3,04
